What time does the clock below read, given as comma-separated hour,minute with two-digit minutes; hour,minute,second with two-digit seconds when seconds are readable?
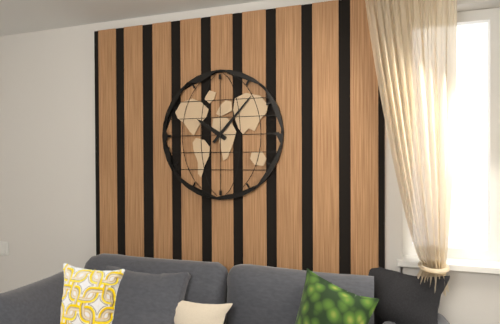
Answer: 10,07
